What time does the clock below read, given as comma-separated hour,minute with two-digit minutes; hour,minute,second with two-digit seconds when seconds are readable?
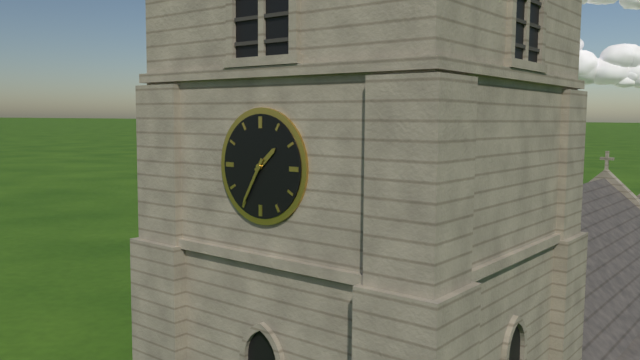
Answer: 1,35
